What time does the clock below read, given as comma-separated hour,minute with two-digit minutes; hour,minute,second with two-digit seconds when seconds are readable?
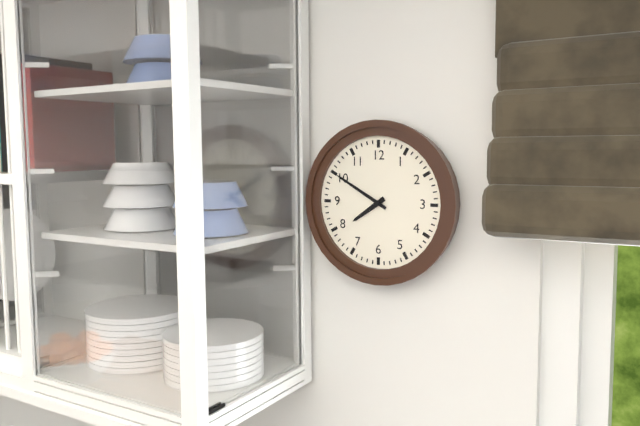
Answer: 7,50
